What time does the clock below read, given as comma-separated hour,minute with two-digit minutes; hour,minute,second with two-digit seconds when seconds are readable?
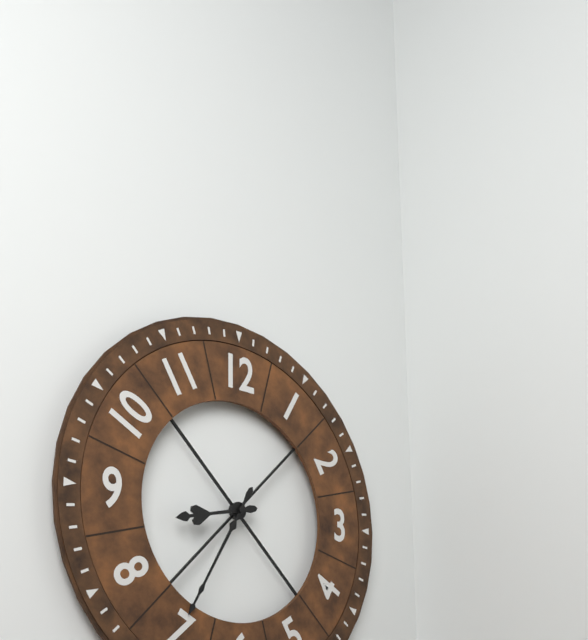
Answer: 8,35
